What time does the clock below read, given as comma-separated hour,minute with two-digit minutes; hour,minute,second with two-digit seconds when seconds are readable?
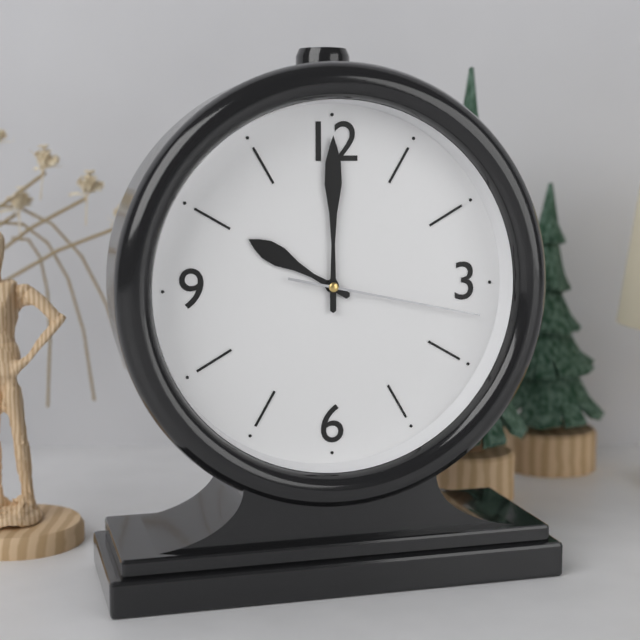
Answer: 10,00,17
